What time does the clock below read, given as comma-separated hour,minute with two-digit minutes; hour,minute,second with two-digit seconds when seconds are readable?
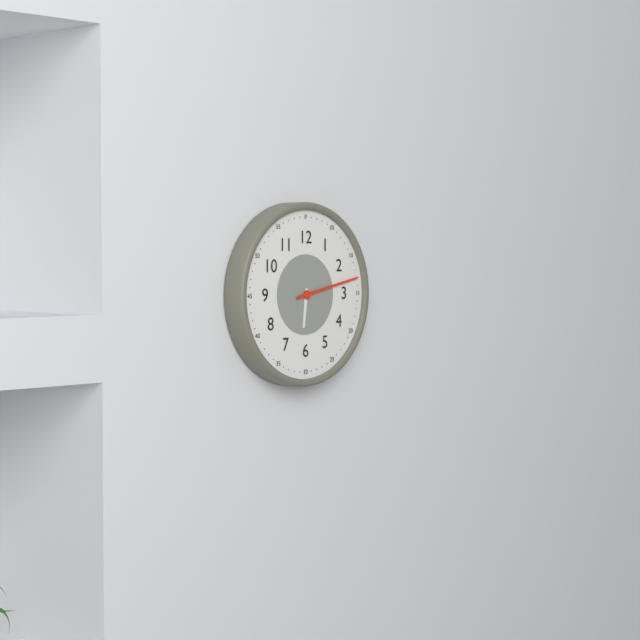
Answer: 6,13
